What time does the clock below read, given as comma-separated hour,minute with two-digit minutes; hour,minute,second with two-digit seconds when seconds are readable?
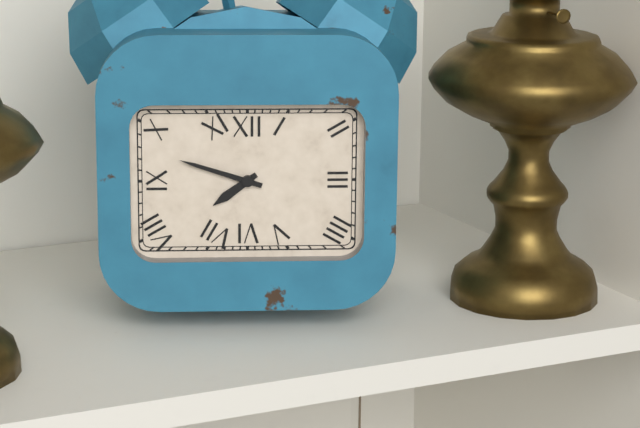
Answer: 7,48
